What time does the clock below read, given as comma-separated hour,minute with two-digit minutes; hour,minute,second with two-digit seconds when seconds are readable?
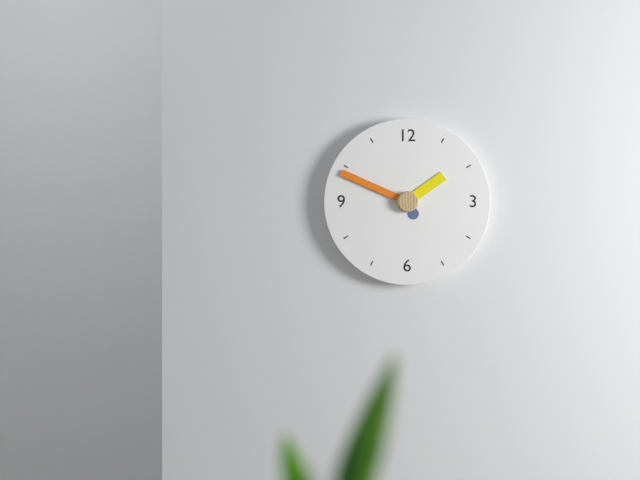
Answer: 1,49
